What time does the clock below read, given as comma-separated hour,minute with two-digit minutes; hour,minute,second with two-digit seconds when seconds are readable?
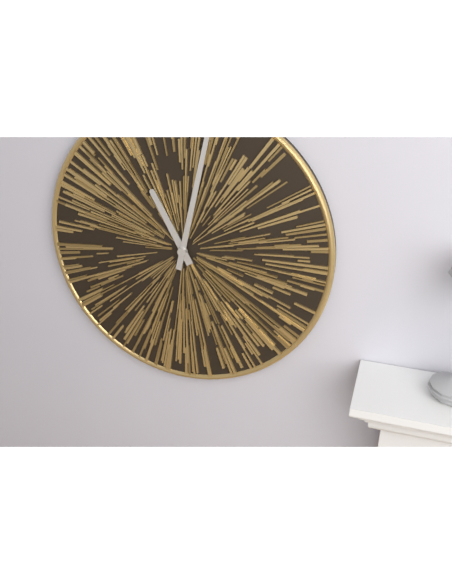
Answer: 11,02
